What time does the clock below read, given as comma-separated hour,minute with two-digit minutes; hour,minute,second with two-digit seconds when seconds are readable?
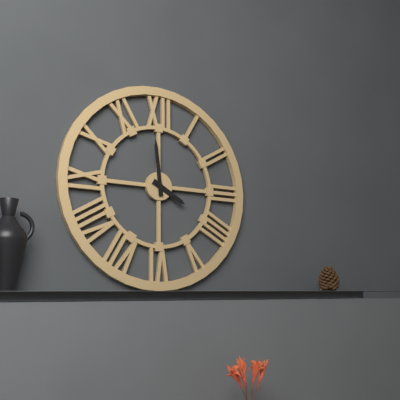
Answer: 3,59
